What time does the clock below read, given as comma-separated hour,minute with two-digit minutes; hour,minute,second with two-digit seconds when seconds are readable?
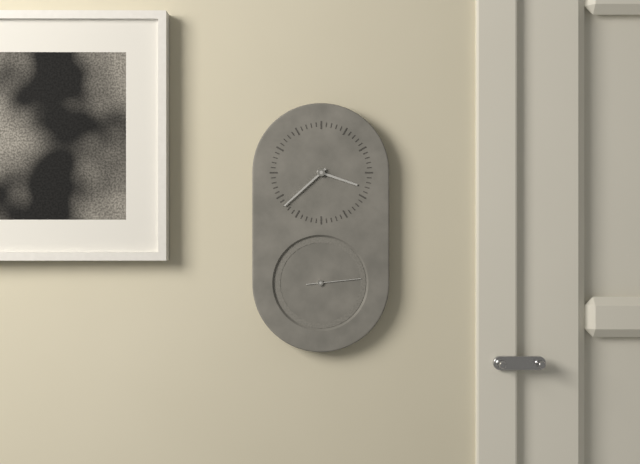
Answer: 3,38,14
